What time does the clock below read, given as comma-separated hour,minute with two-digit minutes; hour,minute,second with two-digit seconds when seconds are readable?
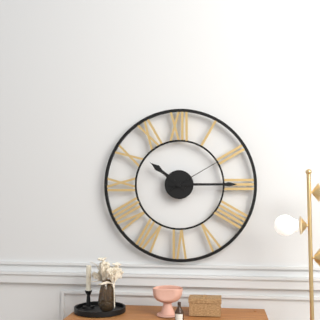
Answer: 10,15,10
